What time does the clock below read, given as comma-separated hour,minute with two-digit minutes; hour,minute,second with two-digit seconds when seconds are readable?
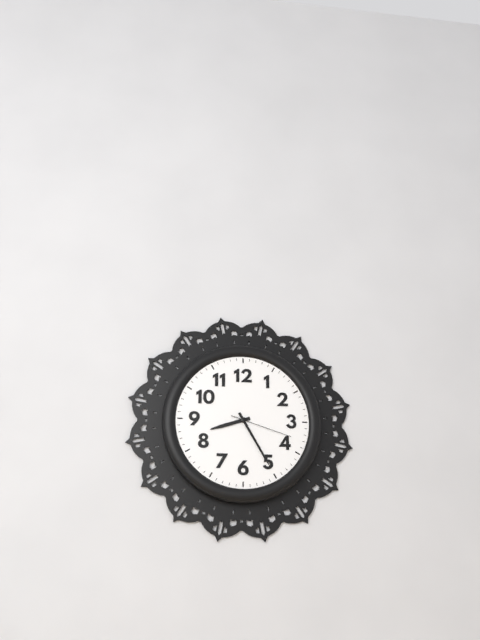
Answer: 8,25,18
